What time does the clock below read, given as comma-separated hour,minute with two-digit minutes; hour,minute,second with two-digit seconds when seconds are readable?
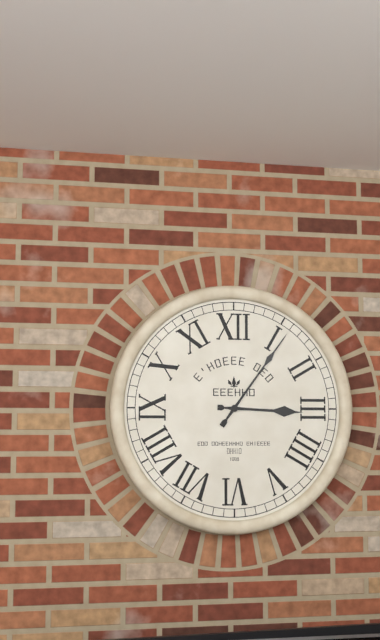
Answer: 3,06
